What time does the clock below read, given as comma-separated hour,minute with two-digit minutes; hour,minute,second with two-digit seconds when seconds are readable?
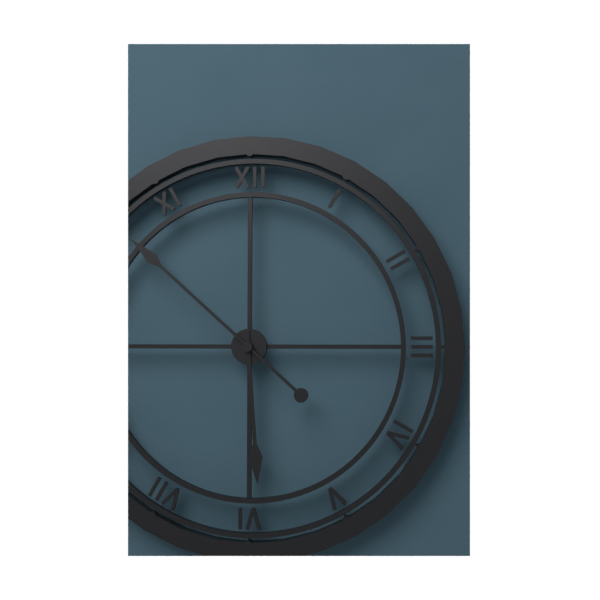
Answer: 5,52
